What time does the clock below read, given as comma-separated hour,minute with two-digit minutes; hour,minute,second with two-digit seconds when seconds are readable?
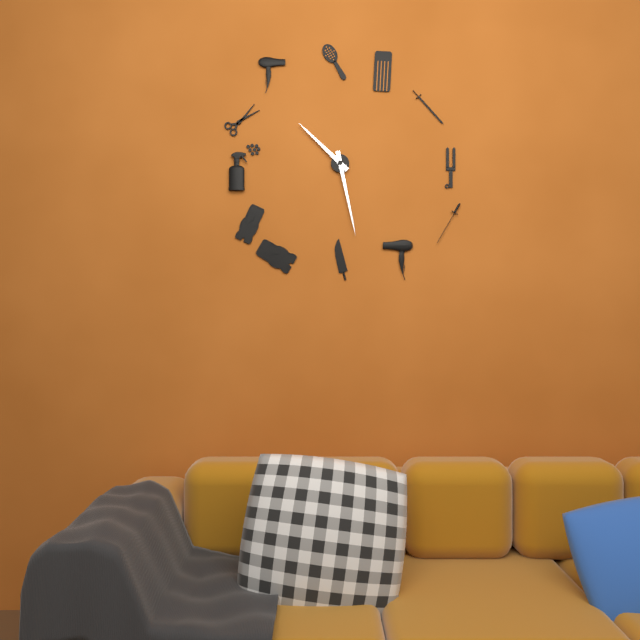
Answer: 10,28
